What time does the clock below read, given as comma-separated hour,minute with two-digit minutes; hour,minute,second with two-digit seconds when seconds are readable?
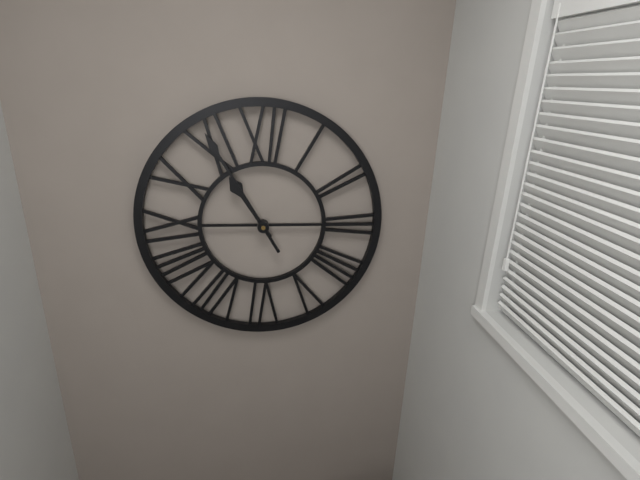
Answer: 10,55
